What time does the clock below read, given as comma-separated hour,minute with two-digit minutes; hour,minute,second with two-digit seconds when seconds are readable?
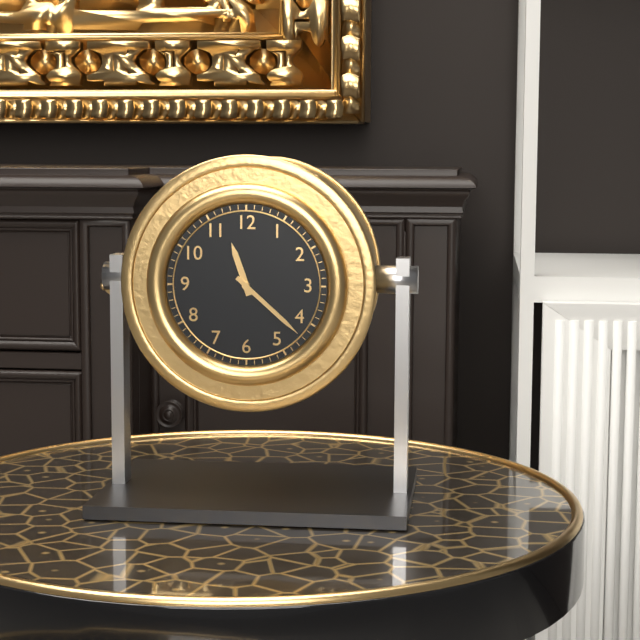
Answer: 11,22
